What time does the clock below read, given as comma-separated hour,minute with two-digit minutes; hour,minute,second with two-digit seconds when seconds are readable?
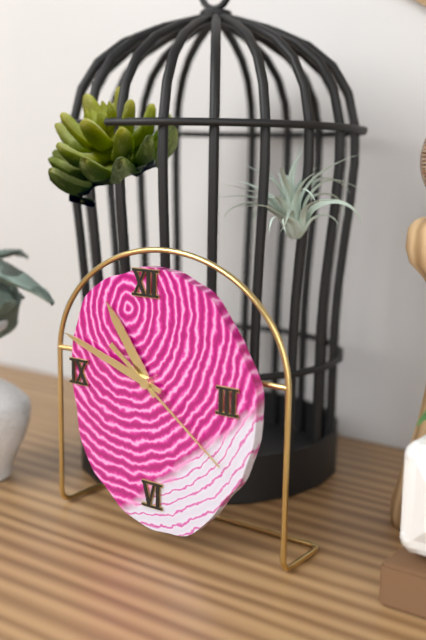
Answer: 10,48,21
